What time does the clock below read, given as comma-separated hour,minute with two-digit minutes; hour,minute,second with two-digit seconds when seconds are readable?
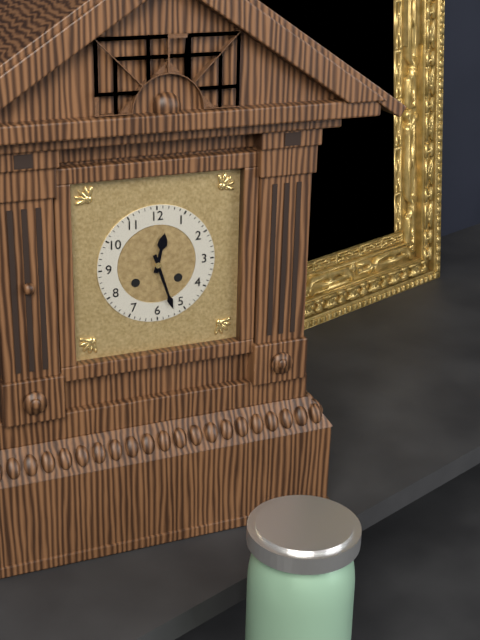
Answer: 12,27
